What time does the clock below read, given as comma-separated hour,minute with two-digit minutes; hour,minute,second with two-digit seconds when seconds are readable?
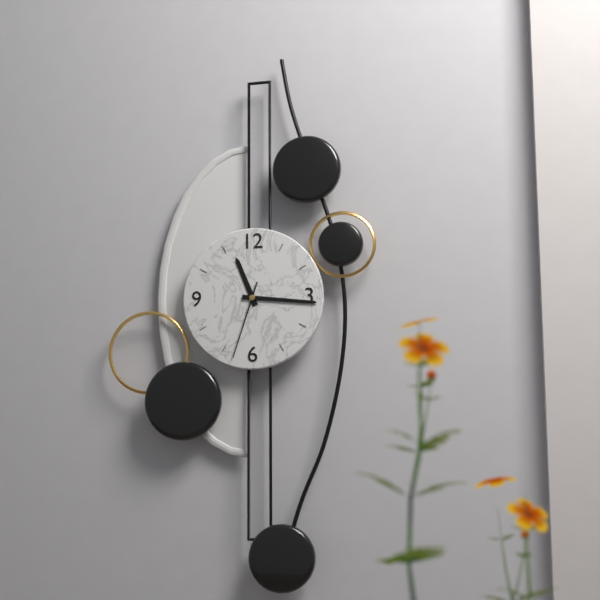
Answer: 11,16,33
